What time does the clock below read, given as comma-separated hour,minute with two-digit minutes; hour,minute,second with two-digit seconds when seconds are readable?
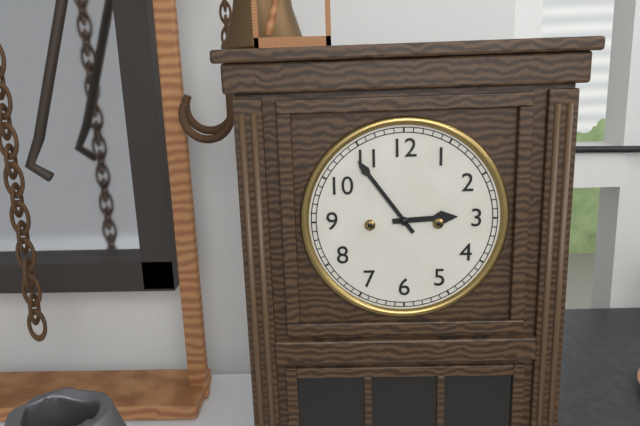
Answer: 2,54
